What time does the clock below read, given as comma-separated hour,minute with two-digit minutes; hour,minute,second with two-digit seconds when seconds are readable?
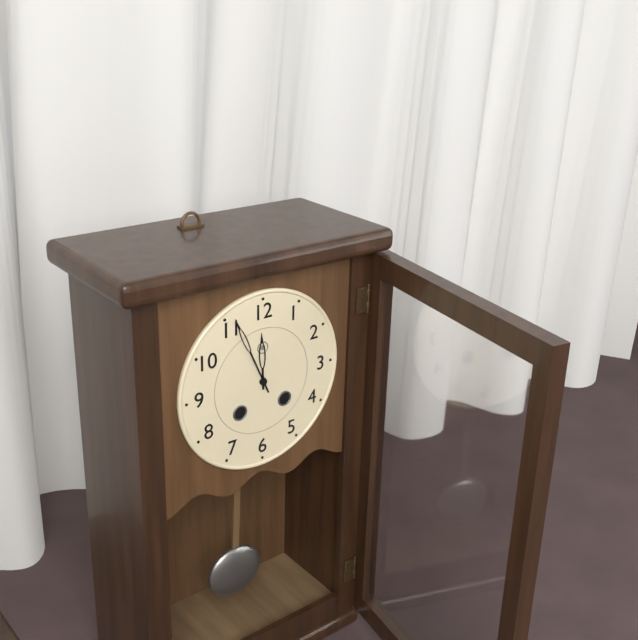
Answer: 11,56
